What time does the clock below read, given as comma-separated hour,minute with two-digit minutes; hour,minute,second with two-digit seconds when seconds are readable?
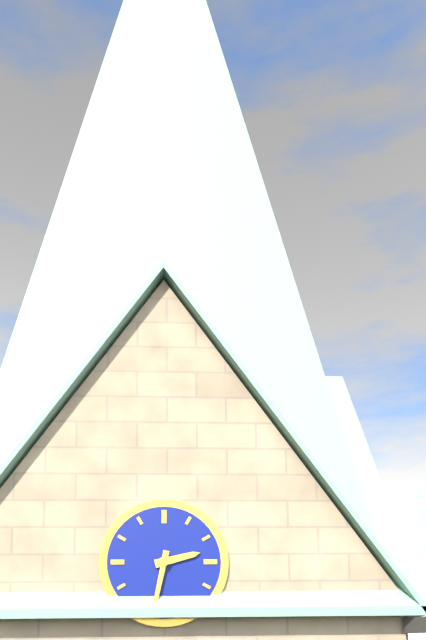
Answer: 2,32
